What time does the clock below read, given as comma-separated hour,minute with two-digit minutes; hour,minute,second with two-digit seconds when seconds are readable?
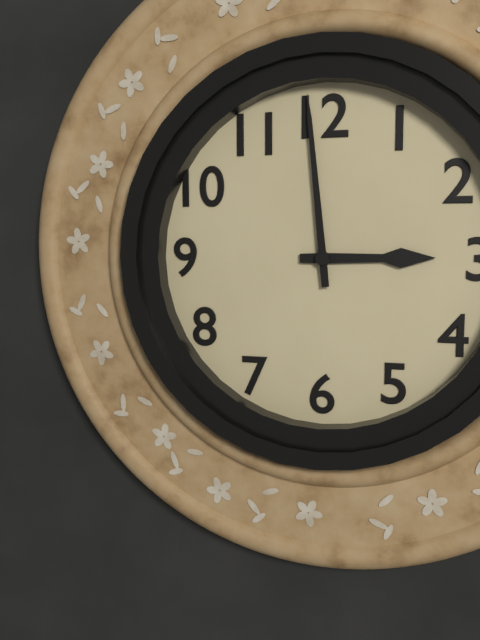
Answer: 2,59
